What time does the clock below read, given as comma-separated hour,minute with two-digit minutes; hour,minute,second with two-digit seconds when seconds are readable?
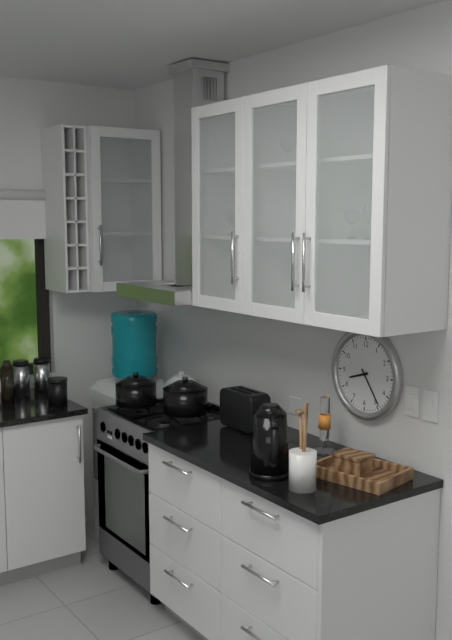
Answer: 8,24
